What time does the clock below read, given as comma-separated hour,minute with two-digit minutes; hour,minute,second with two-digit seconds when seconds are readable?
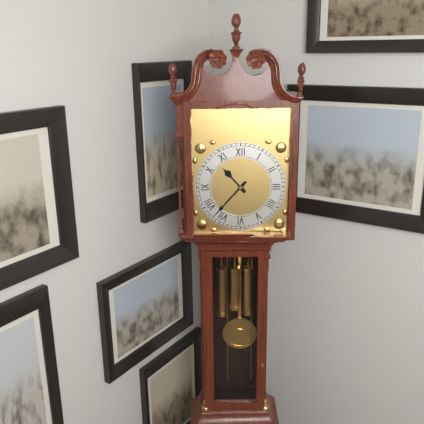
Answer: 10,37
